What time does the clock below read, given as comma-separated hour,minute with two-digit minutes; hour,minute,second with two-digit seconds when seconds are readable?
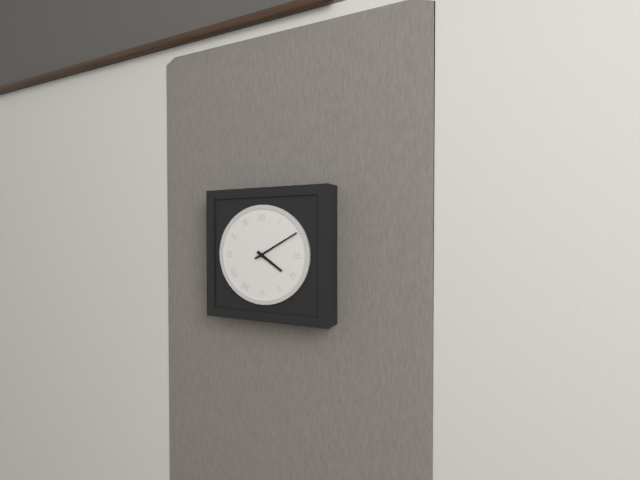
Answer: 4,10
